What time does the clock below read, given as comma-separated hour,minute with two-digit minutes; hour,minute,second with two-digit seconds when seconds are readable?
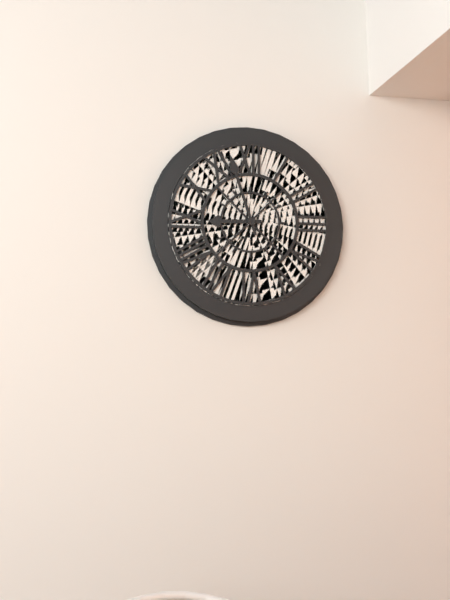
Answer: 8,57
